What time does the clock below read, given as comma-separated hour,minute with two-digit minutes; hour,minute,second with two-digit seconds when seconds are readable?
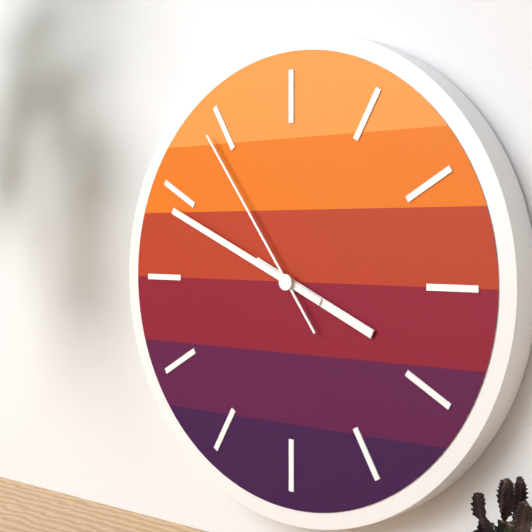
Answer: 3,49,54
